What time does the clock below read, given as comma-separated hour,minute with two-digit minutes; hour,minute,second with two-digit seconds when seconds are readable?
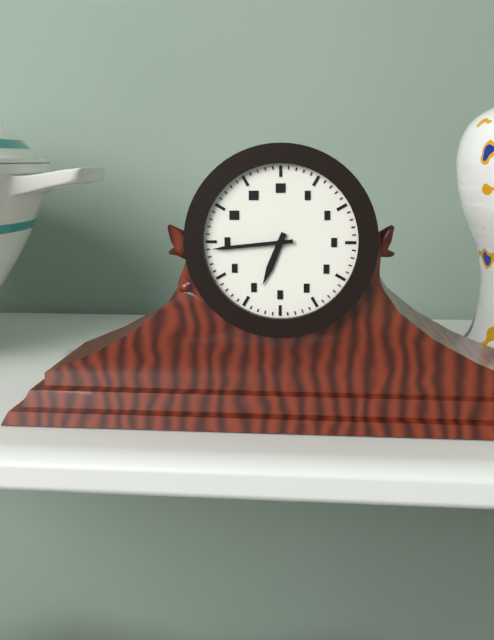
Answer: 6,44
